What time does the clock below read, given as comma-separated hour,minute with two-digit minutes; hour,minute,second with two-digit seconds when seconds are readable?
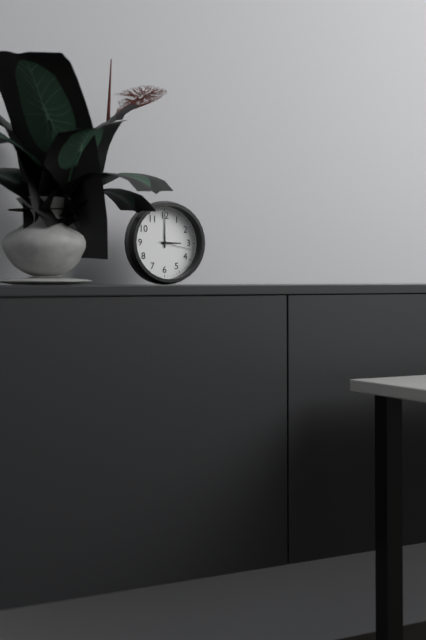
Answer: 3,00
